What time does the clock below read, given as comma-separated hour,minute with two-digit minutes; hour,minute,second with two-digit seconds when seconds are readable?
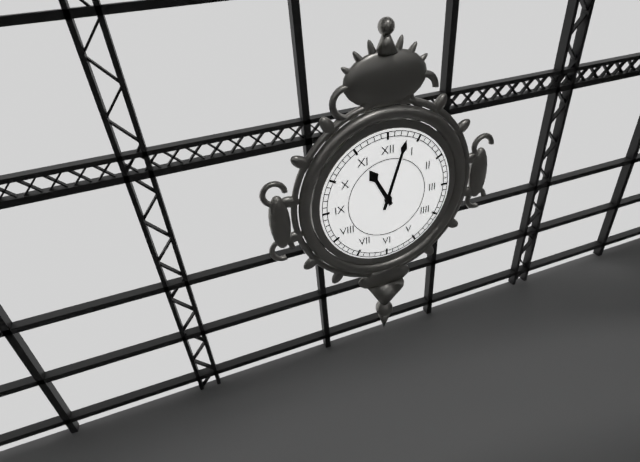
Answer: 11,03
